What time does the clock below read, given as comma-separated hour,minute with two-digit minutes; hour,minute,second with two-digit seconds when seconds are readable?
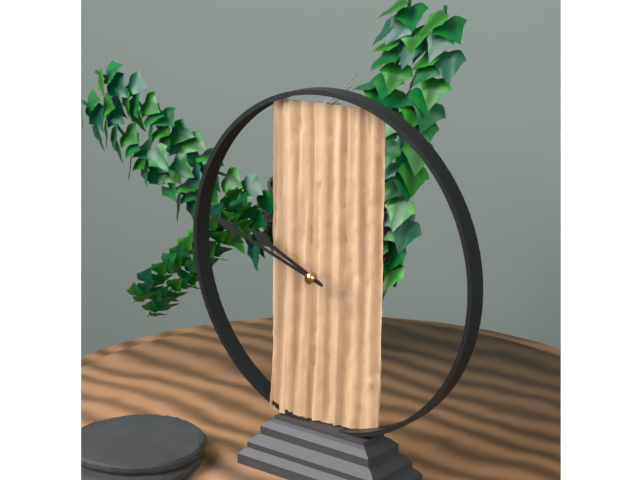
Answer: 9,48
